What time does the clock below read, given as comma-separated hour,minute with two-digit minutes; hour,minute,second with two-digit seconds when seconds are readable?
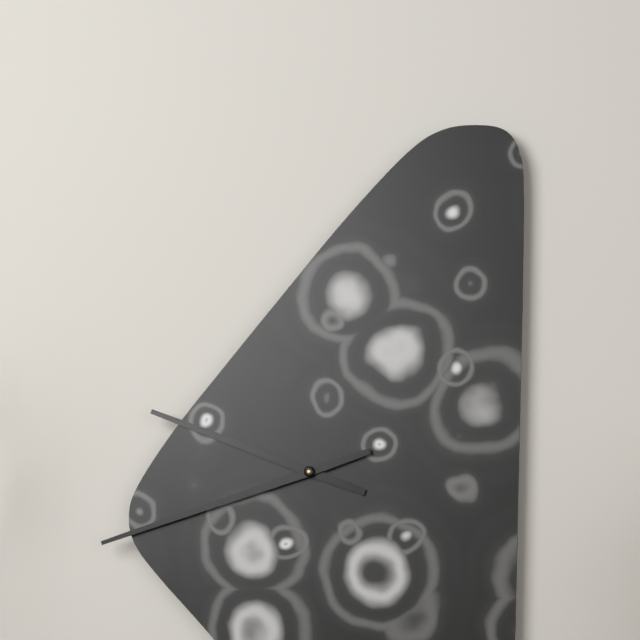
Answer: 9,42
